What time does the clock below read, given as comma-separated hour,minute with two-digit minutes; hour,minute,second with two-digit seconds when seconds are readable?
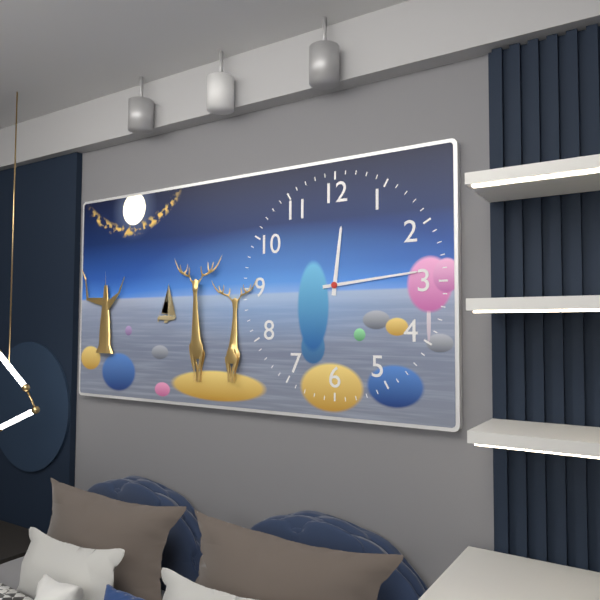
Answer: 12,14
